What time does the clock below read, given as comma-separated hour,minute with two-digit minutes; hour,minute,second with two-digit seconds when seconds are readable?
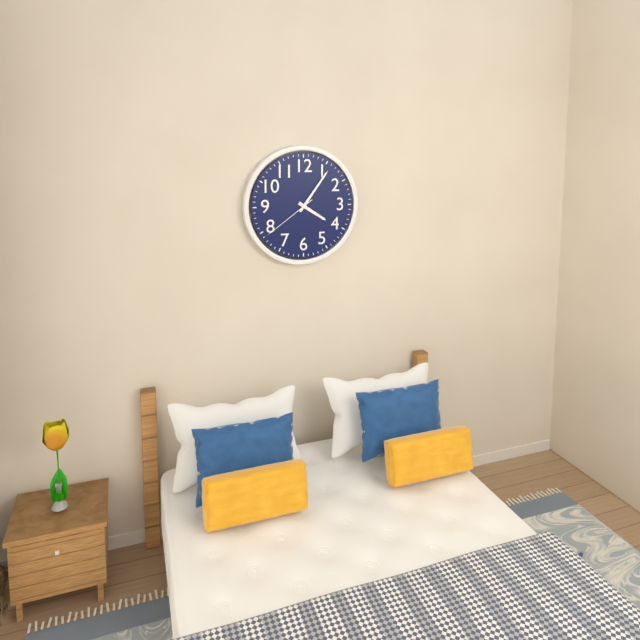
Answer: 4,06,39
